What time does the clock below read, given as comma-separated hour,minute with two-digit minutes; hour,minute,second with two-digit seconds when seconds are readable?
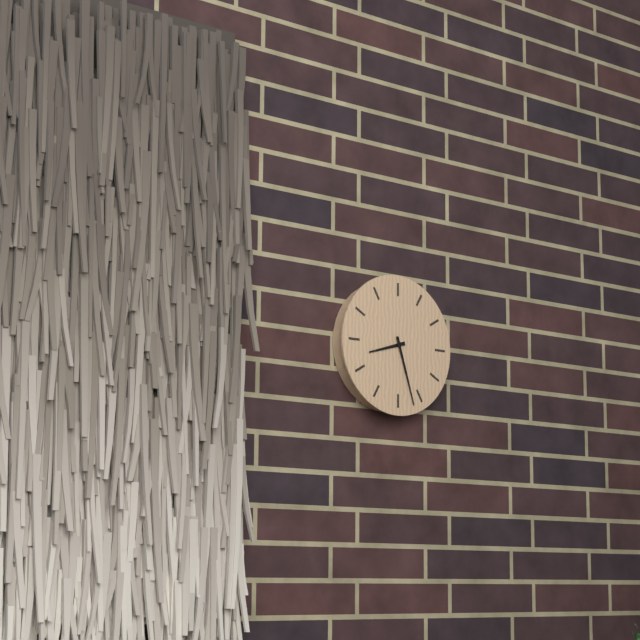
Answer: 8,27
